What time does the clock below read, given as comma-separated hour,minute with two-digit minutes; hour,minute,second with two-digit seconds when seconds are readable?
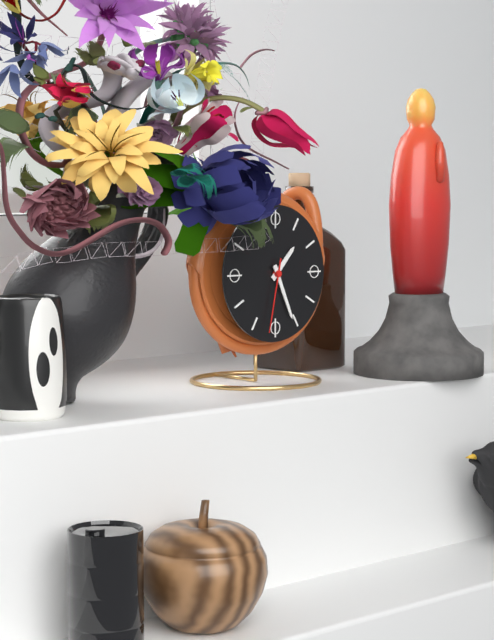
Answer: 1,26,32
